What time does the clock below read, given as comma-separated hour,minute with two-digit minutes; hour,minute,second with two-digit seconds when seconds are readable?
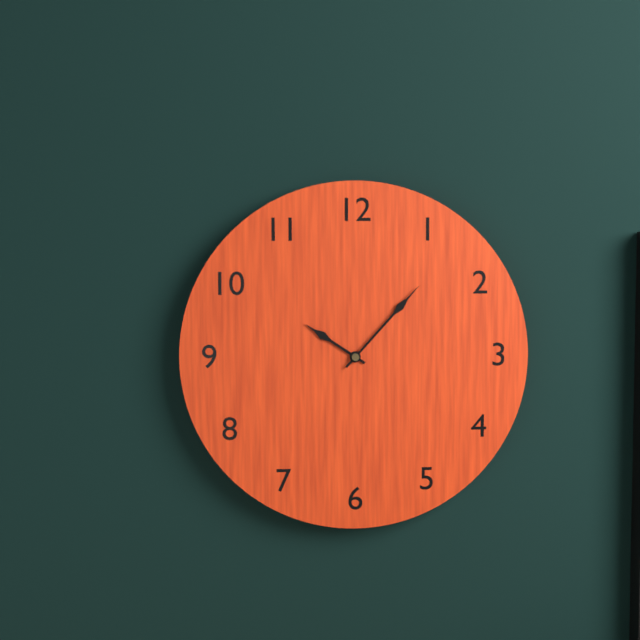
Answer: 10,07
